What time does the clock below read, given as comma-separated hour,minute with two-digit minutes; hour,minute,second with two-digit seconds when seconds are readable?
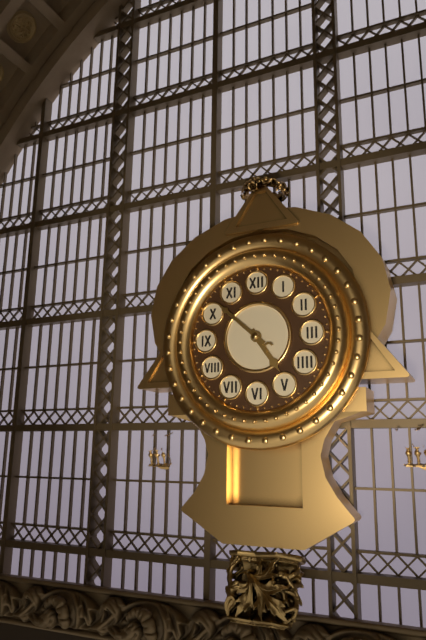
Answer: 4,52
